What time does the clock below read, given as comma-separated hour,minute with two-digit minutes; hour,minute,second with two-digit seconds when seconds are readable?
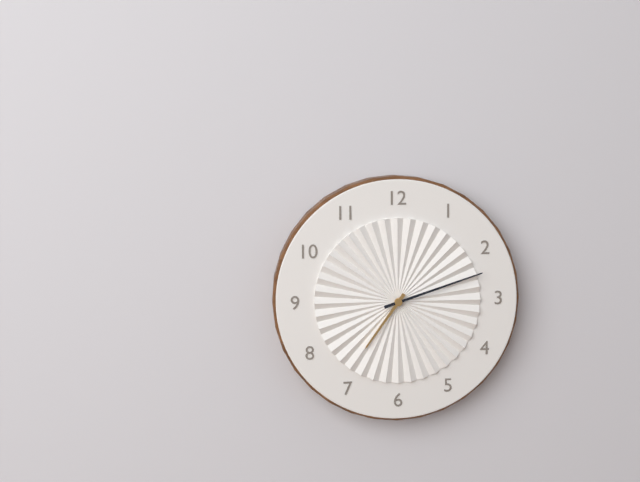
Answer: 7,12
